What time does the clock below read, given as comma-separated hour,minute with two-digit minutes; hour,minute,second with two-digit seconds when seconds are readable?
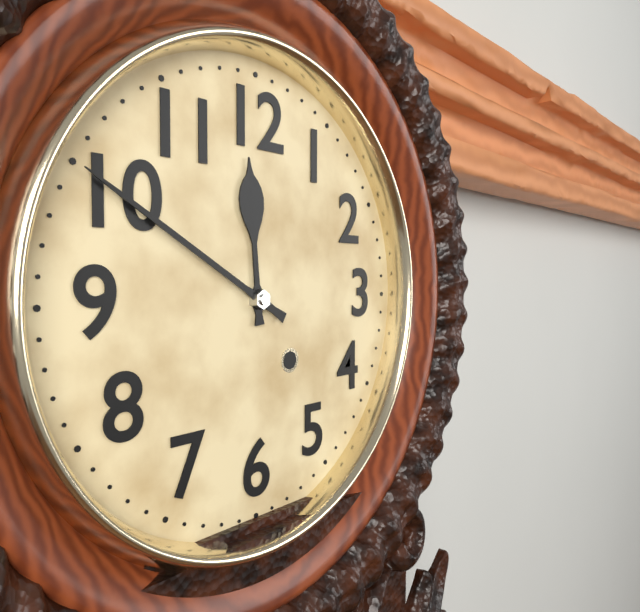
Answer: 11,50
